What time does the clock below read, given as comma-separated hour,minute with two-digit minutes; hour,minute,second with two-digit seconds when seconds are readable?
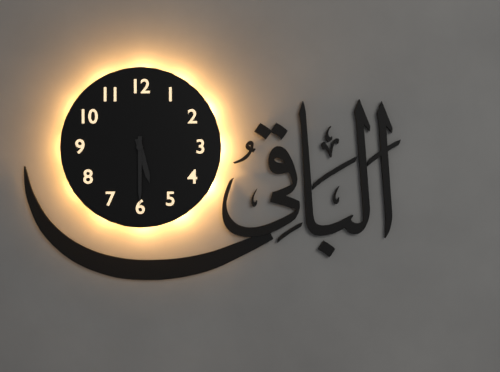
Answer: 5,30
